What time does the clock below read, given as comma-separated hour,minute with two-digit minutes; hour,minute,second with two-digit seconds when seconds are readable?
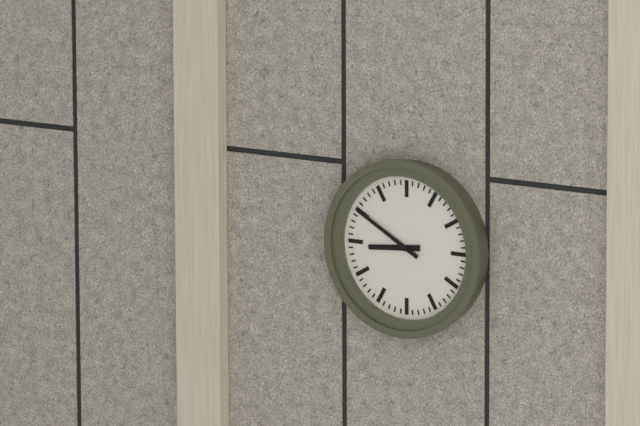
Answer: 8,50
